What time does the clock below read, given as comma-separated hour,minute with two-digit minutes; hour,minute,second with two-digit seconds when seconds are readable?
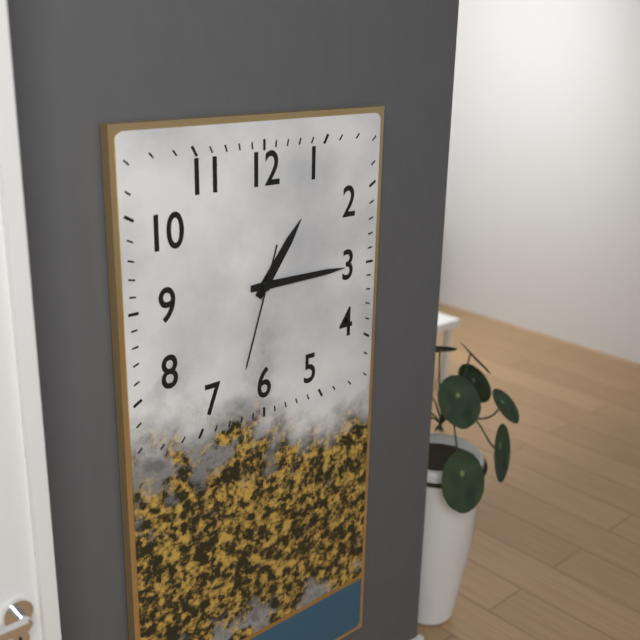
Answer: 1,15,33
